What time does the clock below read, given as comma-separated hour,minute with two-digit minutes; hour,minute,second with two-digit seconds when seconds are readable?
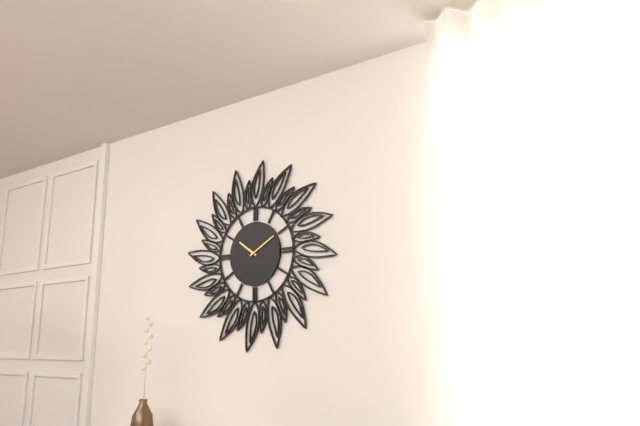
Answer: 10,10
